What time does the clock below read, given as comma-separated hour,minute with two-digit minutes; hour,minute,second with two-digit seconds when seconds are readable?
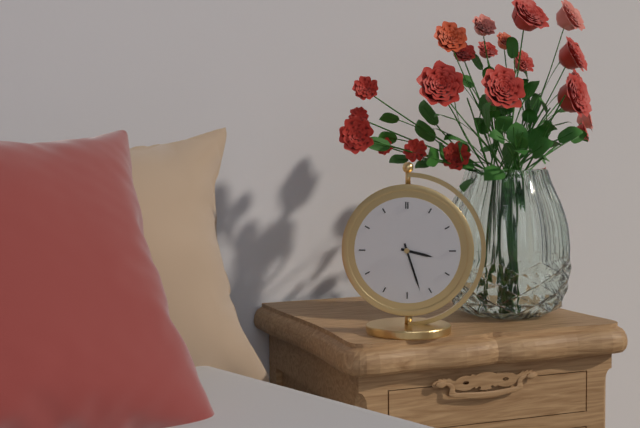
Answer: 3,27
